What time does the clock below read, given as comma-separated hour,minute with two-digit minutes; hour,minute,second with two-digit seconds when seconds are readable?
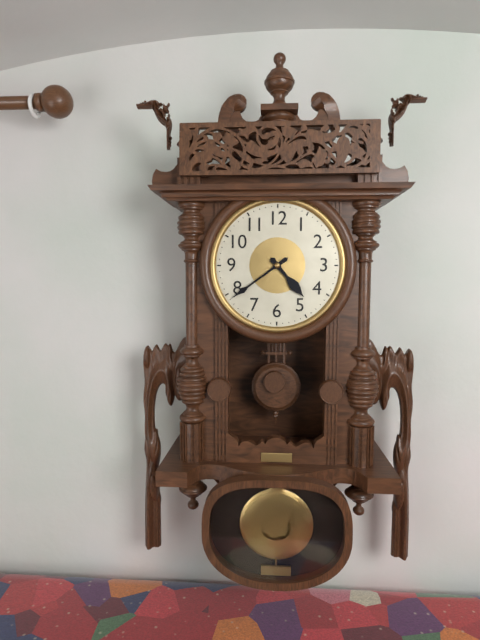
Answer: 4,39
